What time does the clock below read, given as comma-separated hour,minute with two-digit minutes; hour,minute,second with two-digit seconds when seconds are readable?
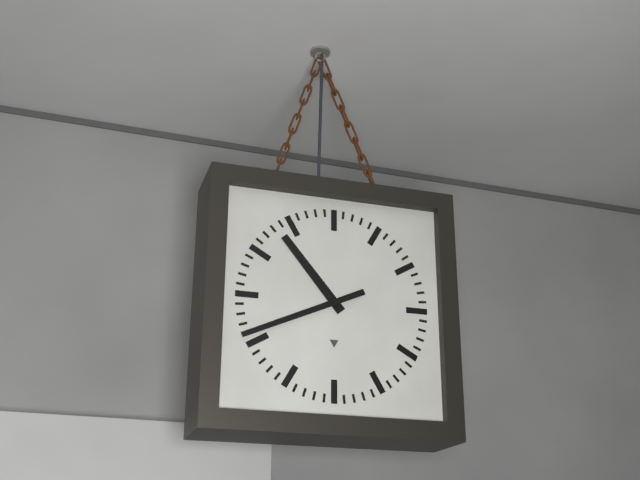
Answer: 10,41
